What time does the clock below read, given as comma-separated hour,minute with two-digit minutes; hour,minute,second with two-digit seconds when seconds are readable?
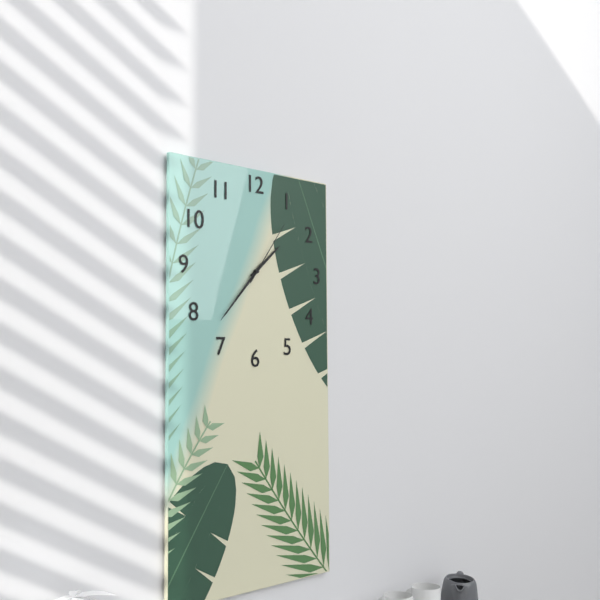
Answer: 1,37,06
